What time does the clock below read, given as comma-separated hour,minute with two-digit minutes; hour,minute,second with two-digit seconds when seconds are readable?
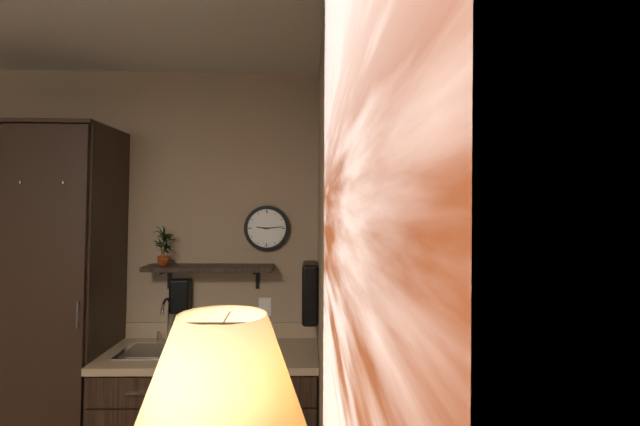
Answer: 9,14
